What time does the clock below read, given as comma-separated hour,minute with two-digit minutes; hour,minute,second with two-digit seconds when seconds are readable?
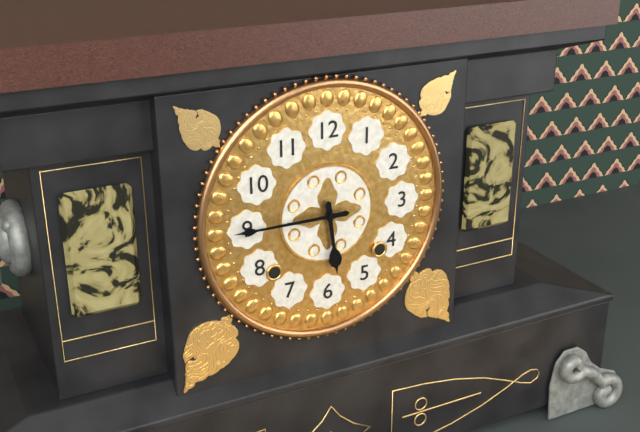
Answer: 5,45
